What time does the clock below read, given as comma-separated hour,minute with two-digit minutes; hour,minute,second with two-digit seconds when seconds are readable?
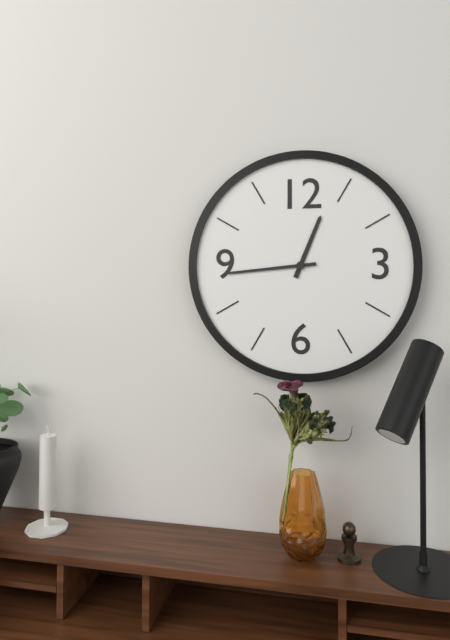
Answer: 12,44
